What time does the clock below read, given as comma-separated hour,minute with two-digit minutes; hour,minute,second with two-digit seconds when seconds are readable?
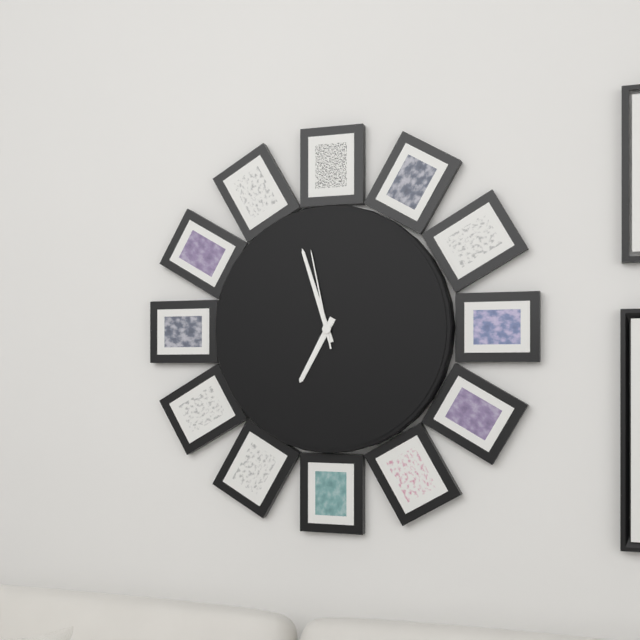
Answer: 6,57,58
